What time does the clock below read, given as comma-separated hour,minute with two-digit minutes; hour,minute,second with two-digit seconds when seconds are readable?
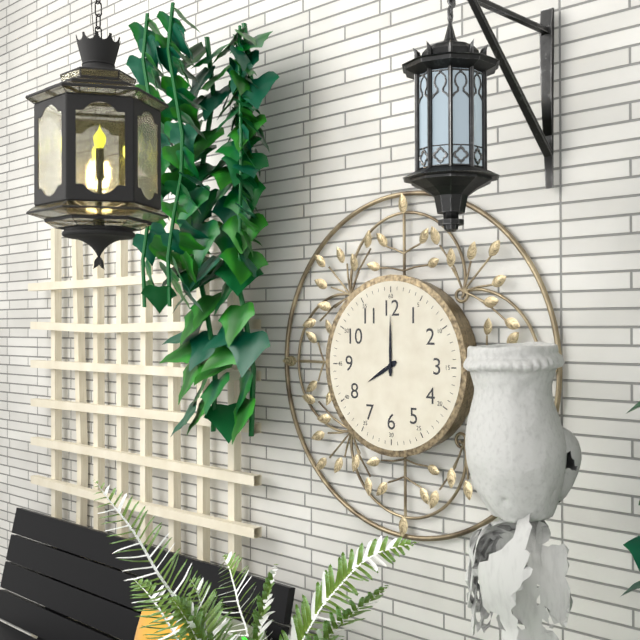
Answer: 8,00
